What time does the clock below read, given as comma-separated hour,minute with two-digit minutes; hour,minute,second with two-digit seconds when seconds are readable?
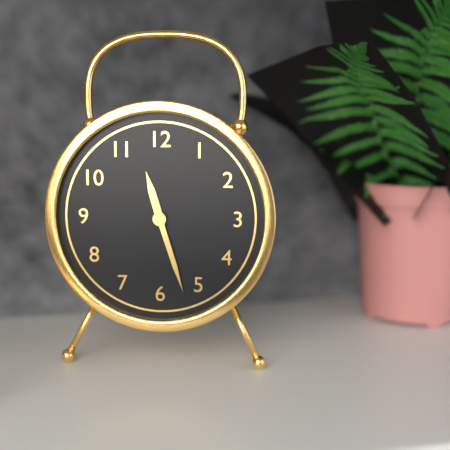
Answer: 11,27
